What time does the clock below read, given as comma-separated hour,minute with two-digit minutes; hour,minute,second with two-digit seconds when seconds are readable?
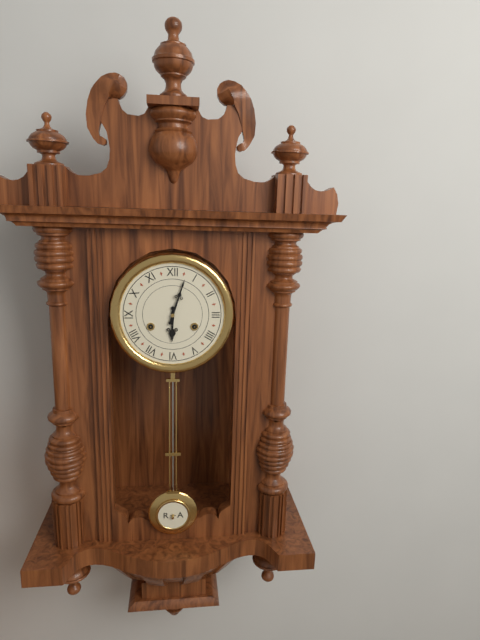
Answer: 6,03
